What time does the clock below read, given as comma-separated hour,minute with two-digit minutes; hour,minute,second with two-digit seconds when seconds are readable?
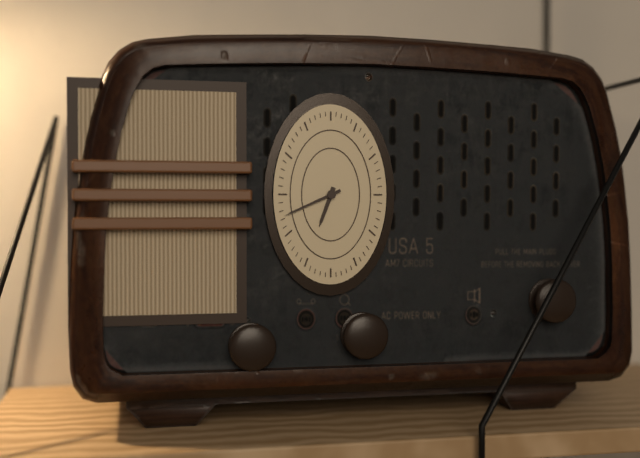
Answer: 6,41
